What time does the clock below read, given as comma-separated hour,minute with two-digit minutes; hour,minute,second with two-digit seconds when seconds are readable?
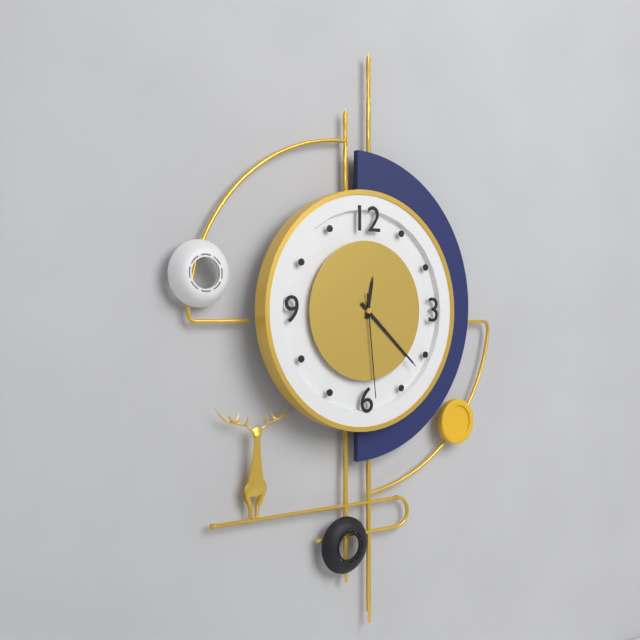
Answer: 12,22,29
